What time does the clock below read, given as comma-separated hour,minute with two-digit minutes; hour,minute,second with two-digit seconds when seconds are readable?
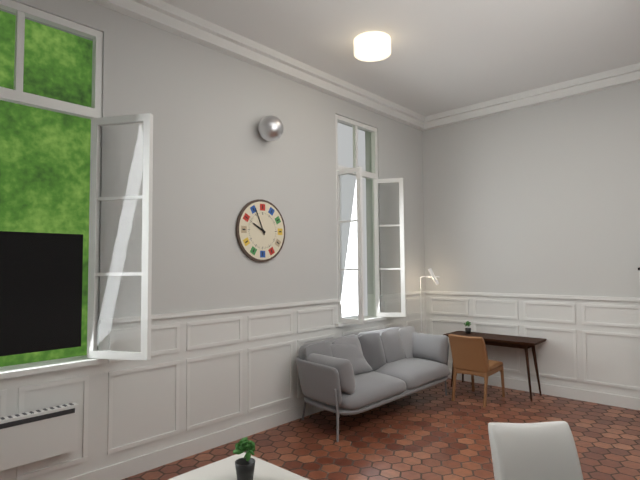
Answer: 9,56
